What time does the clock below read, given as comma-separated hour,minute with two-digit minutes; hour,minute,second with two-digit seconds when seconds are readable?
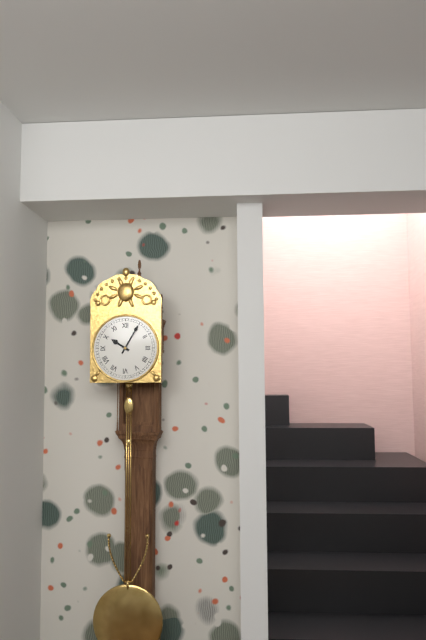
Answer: 10,05
